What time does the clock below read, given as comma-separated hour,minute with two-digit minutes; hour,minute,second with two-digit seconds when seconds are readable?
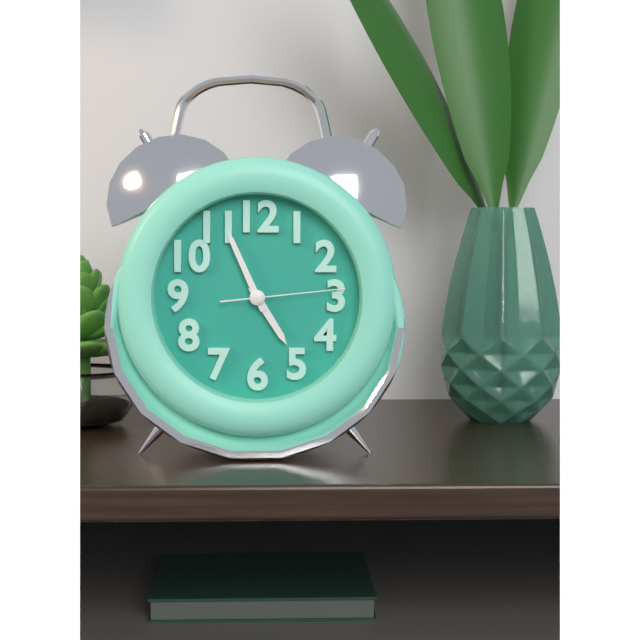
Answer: 4,56,14
